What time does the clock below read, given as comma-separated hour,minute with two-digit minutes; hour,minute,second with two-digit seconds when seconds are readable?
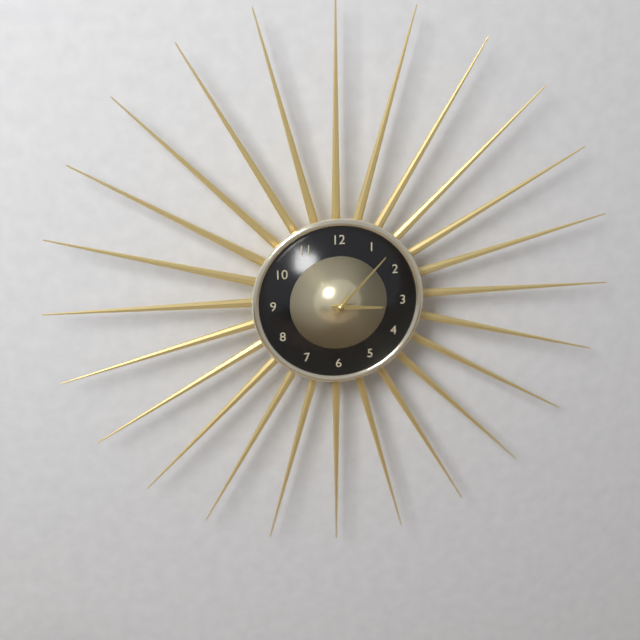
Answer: 3,07
